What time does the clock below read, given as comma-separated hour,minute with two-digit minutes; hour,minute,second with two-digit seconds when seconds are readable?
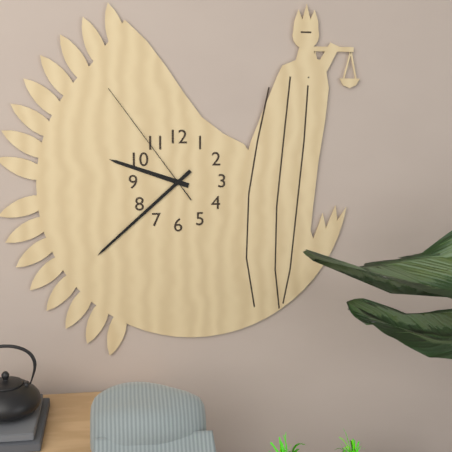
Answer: 9,38,54
